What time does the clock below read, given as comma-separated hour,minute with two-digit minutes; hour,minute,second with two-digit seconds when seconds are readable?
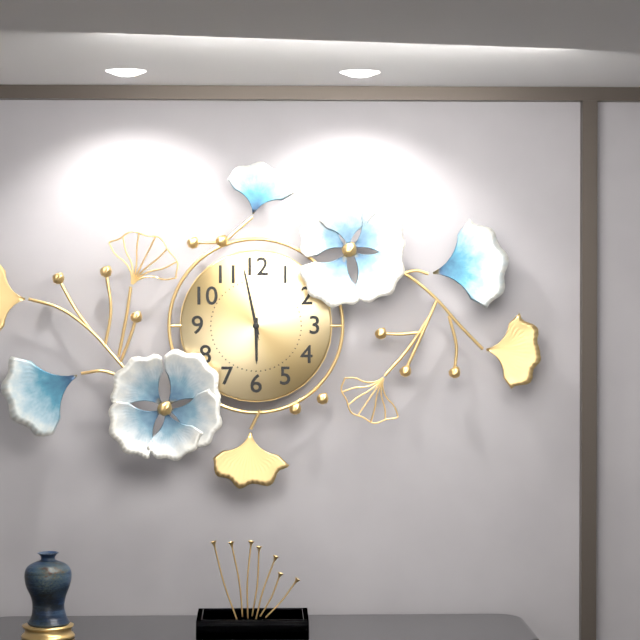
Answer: 5,58,58
